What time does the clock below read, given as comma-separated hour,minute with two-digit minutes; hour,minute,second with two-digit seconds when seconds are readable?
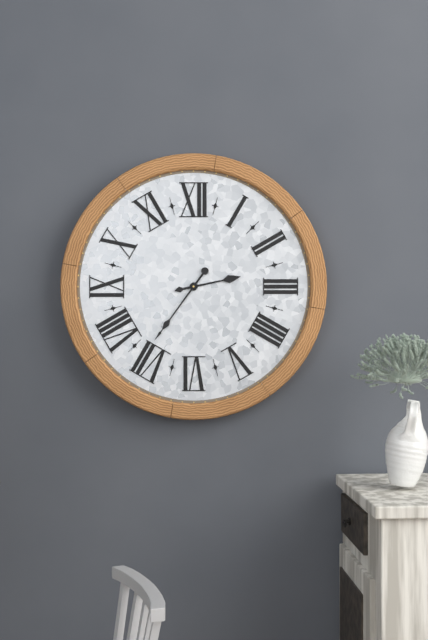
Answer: 2,36
